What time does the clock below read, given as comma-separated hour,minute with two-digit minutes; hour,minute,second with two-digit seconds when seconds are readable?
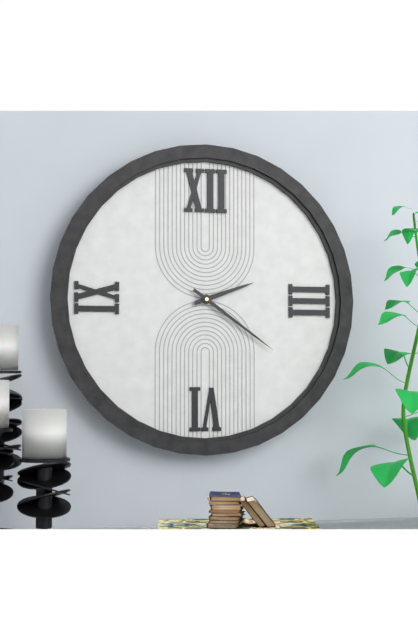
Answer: 2,21
